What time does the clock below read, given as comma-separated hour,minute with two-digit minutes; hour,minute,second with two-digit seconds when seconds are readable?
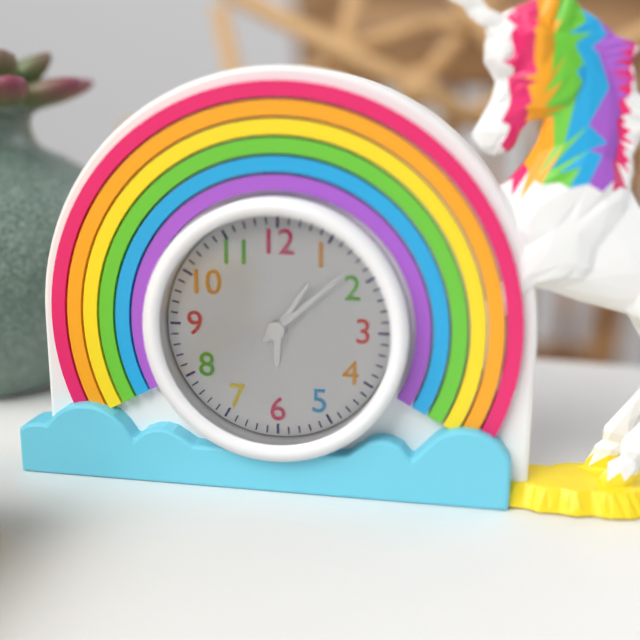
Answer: 1,08
